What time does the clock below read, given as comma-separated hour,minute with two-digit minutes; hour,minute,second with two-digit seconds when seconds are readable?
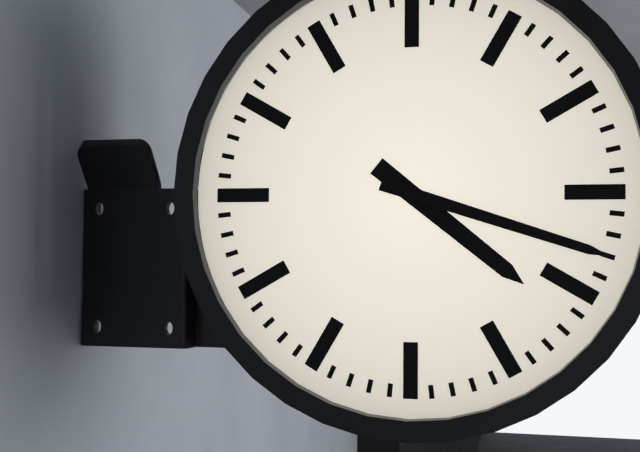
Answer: 4,18
